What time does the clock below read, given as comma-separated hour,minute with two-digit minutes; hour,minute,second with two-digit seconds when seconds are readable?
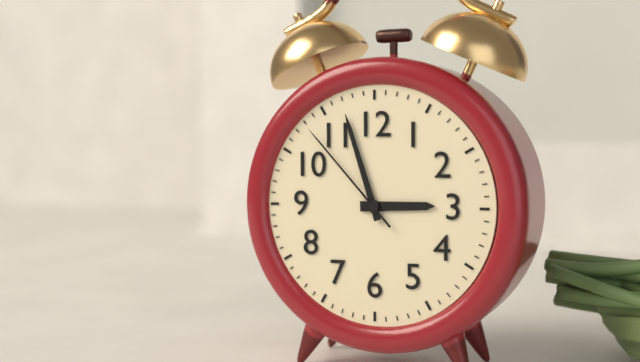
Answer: 2,57,53
